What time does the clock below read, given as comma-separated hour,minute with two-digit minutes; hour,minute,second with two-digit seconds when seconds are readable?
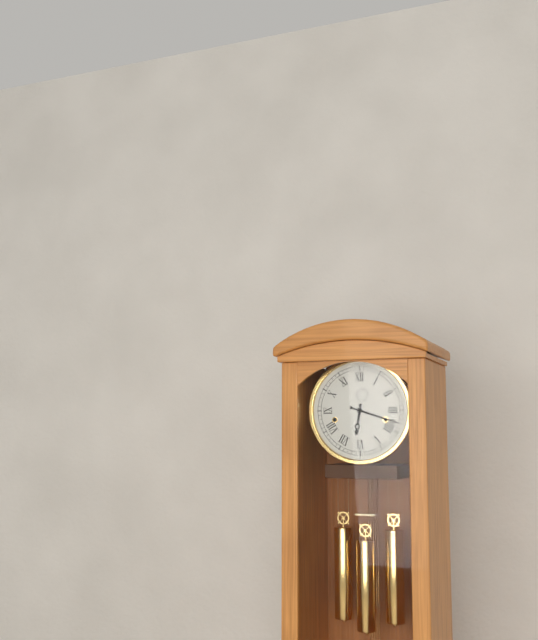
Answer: 6,18
